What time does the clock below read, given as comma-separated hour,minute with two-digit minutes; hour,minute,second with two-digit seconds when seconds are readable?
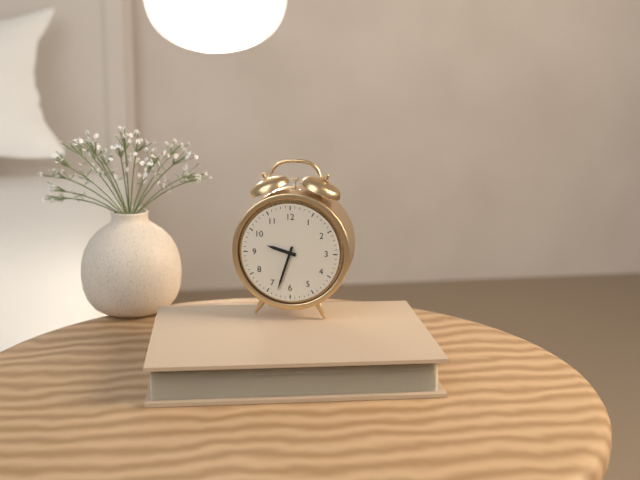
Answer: 9,33
